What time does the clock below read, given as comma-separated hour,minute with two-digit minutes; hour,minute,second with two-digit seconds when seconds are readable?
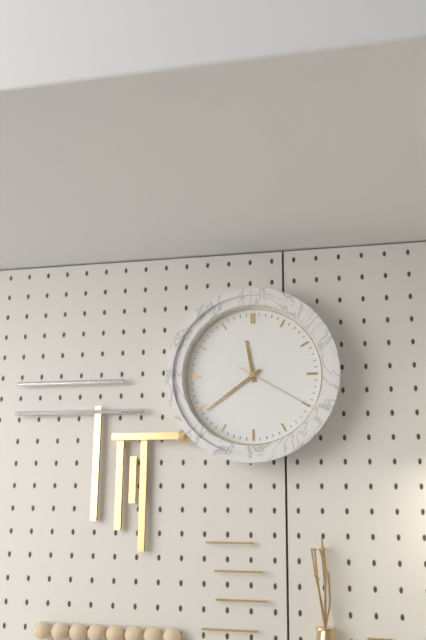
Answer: 11,39,20
